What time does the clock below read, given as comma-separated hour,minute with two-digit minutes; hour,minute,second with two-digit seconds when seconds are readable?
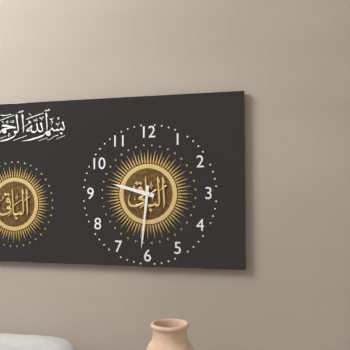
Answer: 9,31
